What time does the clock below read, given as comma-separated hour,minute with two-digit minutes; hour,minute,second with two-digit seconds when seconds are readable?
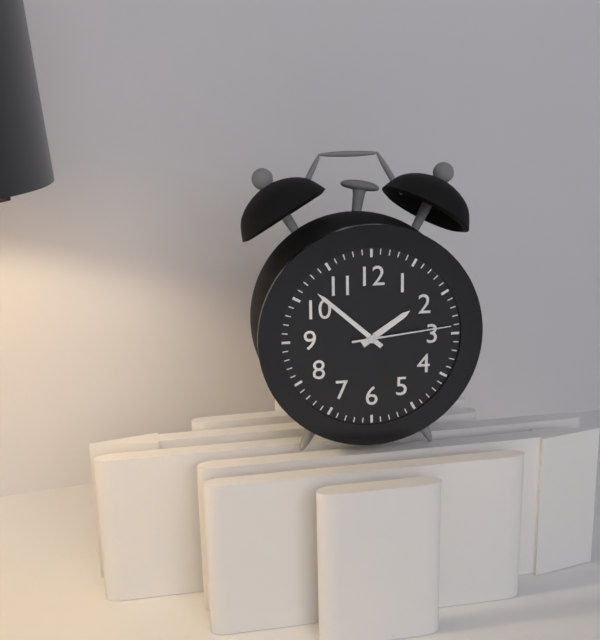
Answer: 1,52,14
